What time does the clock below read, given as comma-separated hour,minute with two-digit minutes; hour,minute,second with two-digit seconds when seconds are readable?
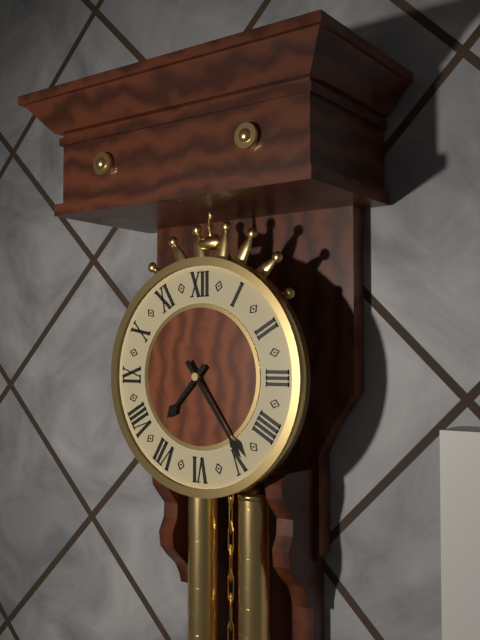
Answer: 7,24
